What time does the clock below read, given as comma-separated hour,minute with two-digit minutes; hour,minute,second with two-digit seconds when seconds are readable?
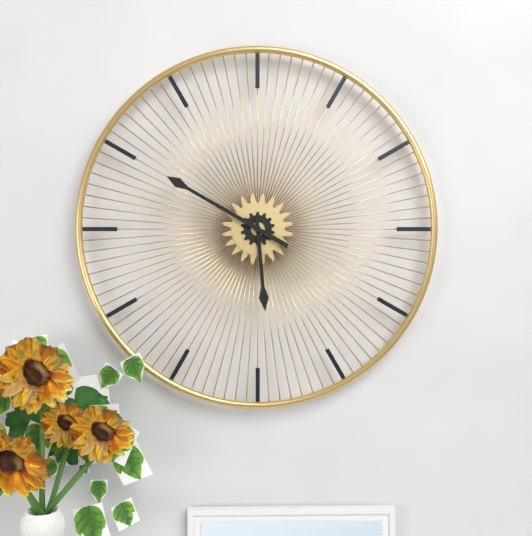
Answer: 5,50
